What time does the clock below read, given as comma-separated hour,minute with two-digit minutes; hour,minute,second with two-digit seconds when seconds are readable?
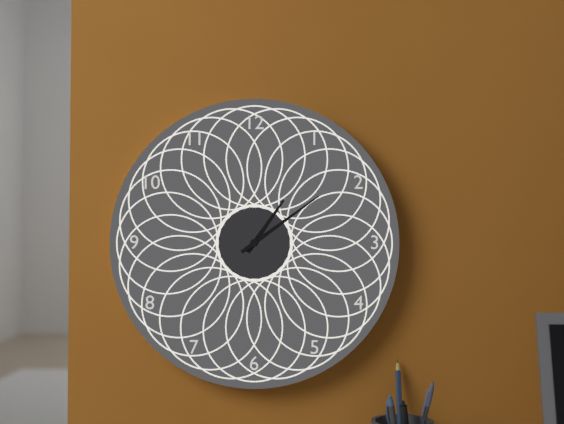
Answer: 1,09
